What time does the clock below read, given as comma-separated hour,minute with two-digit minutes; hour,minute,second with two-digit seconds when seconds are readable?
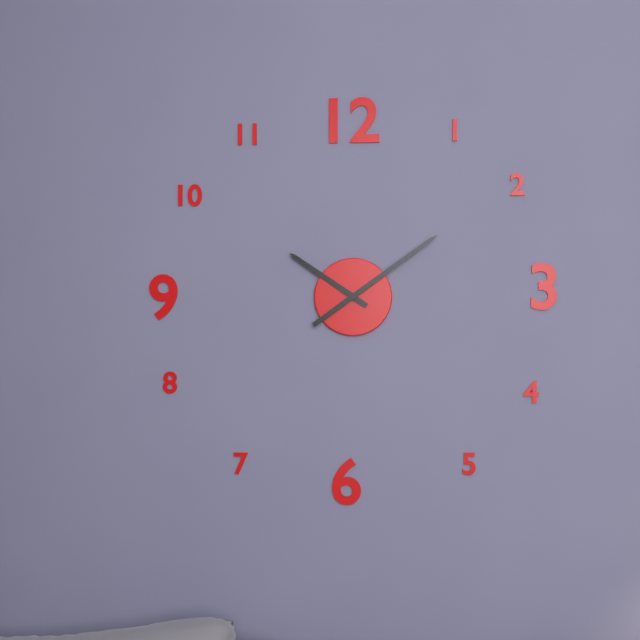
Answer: 10,09
